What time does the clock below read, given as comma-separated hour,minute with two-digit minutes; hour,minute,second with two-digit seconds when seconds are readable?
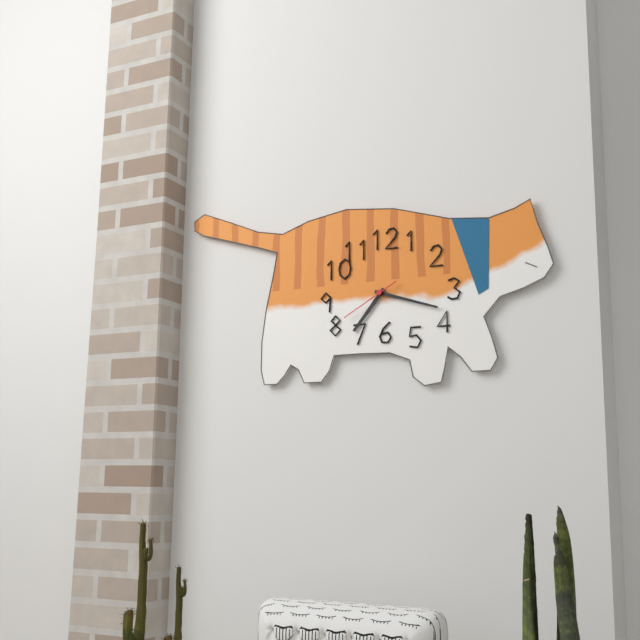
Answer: 7,18,40
